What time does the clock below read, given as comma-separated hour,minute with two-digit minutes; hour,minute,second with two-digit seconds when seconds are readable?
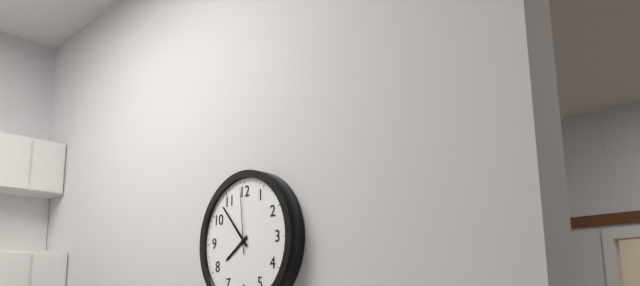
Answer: 7,53,59
